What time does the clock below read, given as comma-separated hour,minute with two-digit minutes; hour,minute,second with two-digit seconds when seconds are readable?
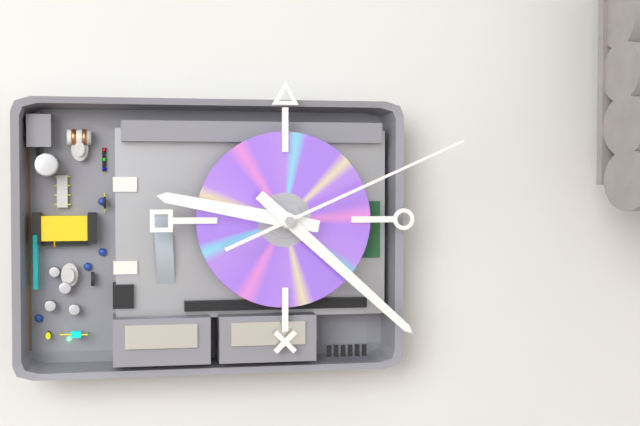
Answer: 9,22,11
